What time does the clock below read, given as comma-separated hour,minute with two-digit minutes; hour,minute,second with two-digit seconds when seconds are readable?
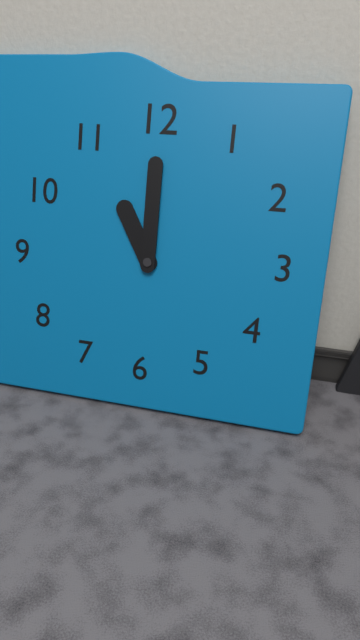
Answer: 11,00
